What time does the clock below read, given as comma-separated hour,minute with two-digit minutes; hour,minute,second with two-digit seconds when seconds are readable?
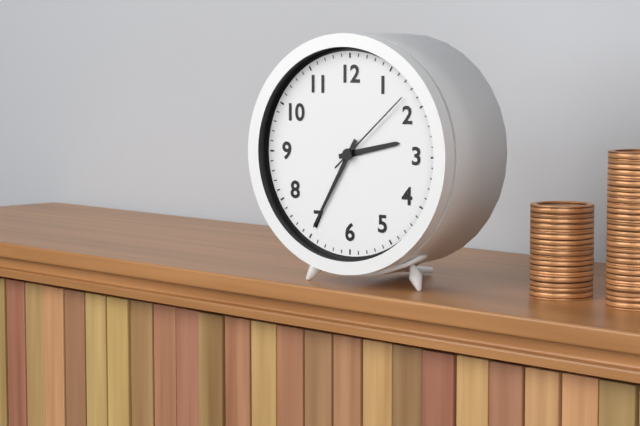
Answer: 2,35,08
